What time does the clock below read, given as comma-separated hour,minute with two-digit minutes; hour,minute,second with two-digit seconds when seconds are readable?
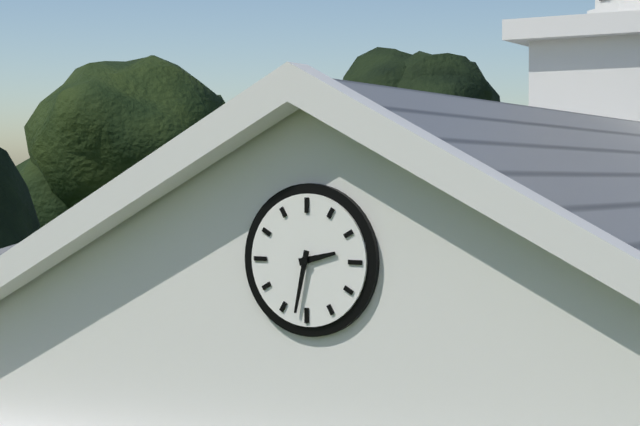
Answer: 2,32
